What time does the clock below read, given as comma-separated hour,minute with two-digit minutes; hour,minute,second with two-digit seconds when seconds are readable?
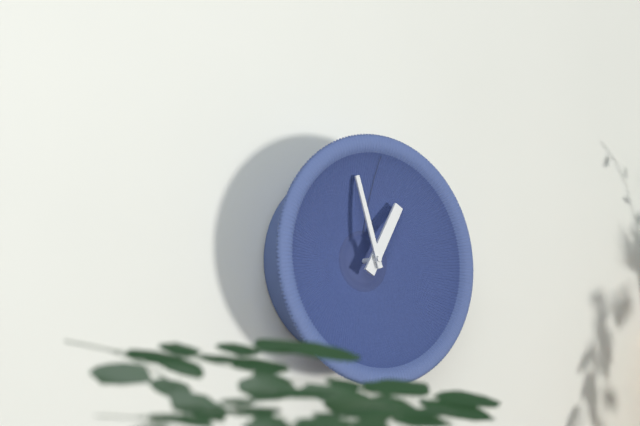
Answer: 12,57
